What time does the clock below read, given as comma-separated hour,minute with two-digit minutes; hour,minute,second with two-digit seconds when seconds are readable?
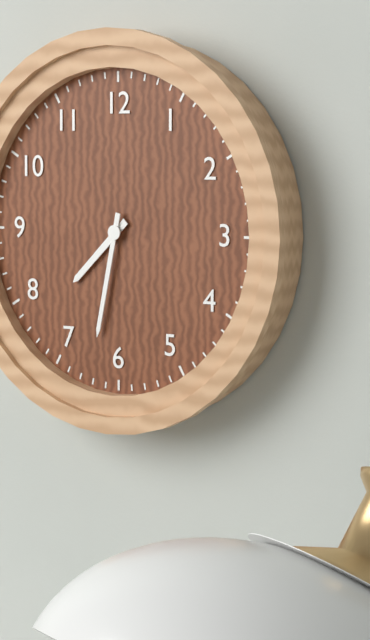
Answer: 7,32
